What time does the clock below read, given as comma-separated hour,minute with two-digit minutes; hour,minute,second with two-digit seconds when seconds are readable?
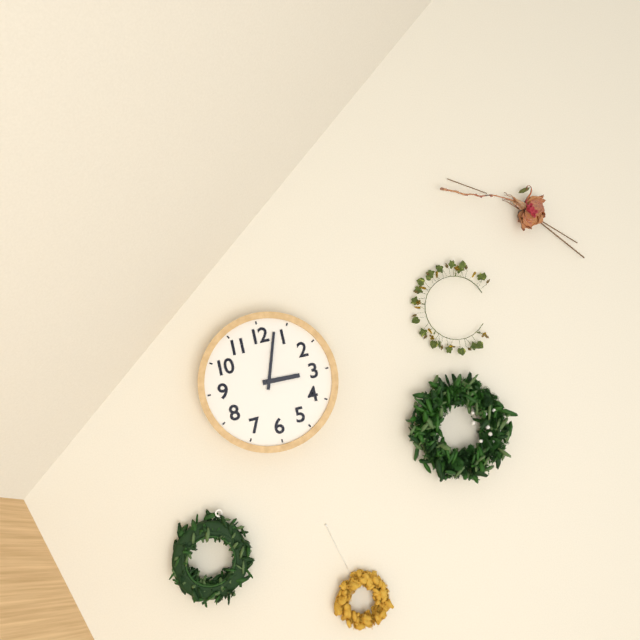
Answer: 3,03
